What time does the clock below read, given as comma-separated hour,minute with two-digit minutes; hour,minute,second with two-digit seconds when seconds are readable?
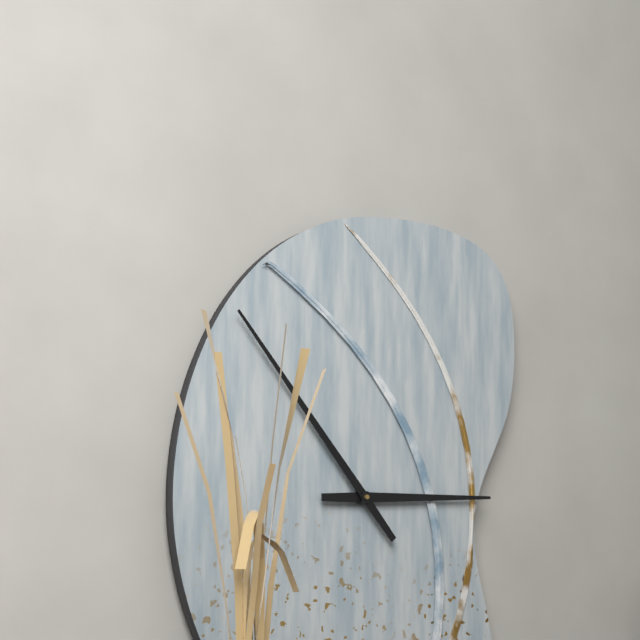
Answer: 2,53
